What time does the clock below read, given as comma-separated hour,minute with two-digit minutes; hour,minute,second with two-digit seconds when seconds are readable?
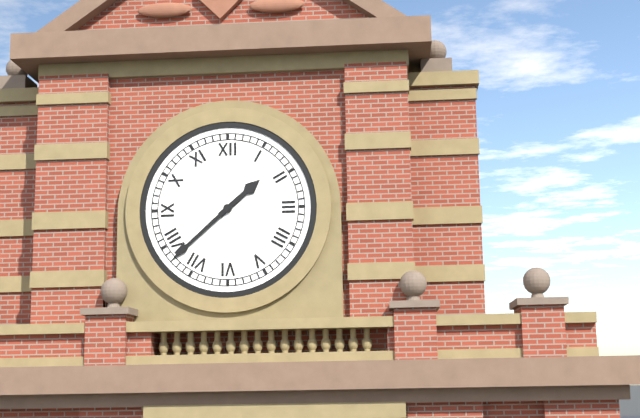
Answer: 1,38
